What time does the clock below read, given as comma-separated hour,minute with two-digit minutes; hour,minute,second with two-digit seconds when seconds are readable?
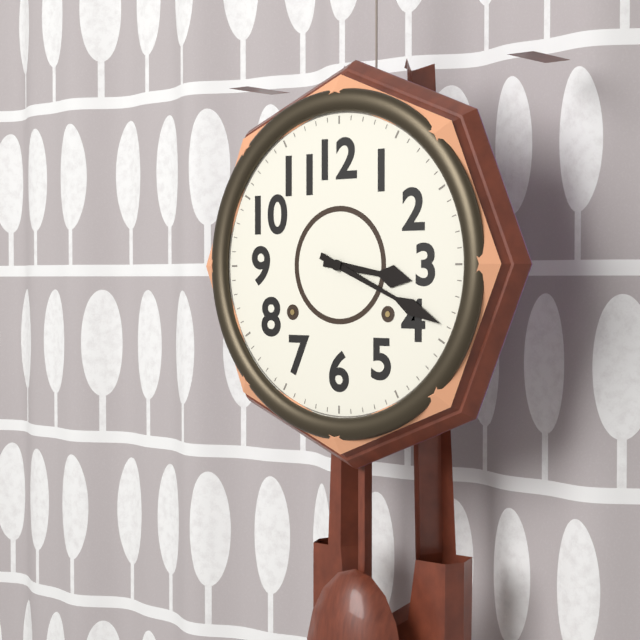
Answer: 3,19
